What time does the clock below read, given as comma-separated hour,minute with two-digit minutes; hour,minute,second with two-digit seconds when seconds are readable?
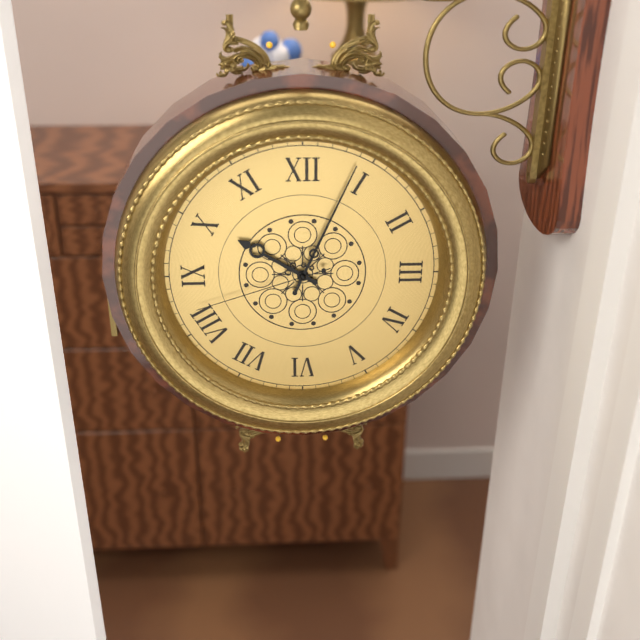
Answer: 10,04,42
